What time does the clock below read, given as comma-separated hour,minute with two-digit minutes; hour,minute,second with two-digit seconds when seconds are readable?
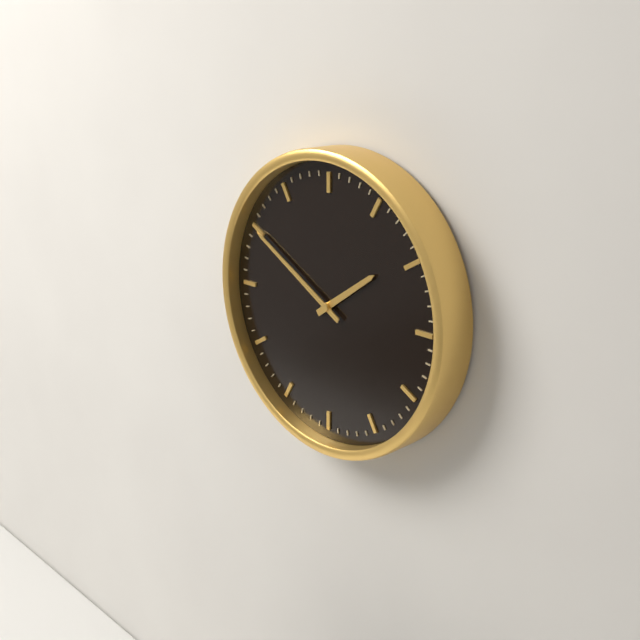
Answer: 1,50
